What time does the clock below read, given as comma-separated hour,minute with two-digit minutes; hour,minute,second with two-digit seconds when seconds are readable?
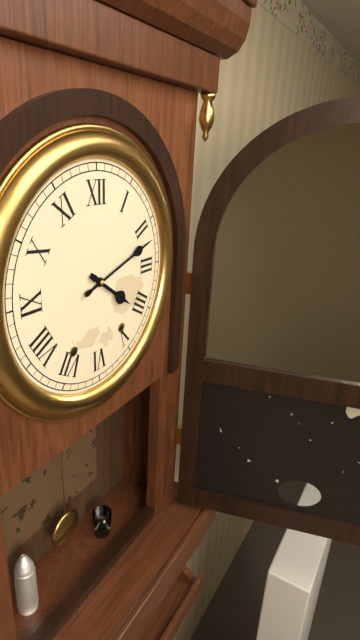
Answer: 4,12
